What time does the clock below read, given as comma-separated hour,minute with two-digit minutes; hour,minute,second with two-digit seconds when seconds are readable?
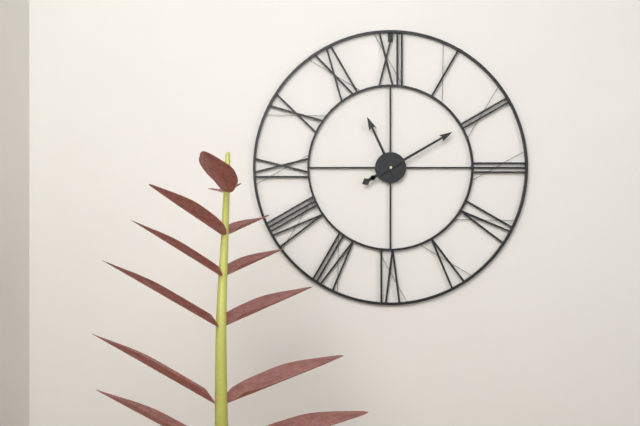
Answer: 11,10
